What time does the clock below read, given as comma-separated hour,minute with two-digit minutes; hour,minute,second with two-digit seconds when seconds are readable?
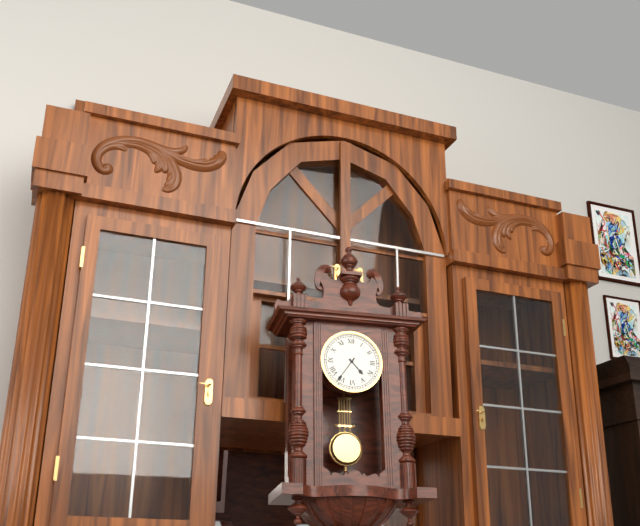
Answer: 4,36
